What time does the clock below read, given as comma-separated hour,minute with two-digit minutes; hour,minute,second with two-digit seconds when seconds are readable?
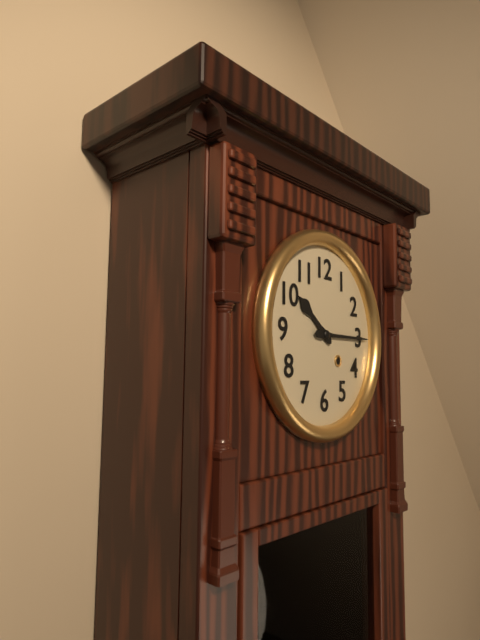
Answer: 10,15
